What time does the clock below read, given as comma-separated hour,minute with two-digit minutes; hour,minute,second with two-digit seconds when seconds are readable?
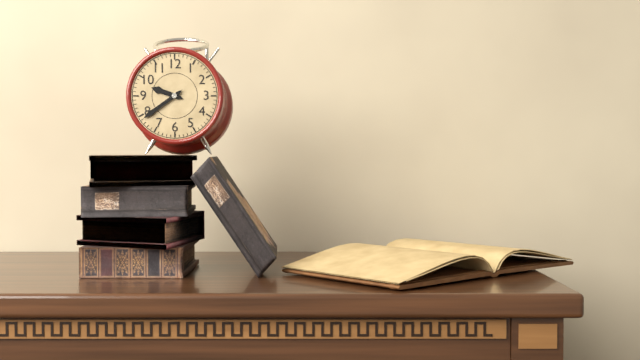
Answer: 9,39
